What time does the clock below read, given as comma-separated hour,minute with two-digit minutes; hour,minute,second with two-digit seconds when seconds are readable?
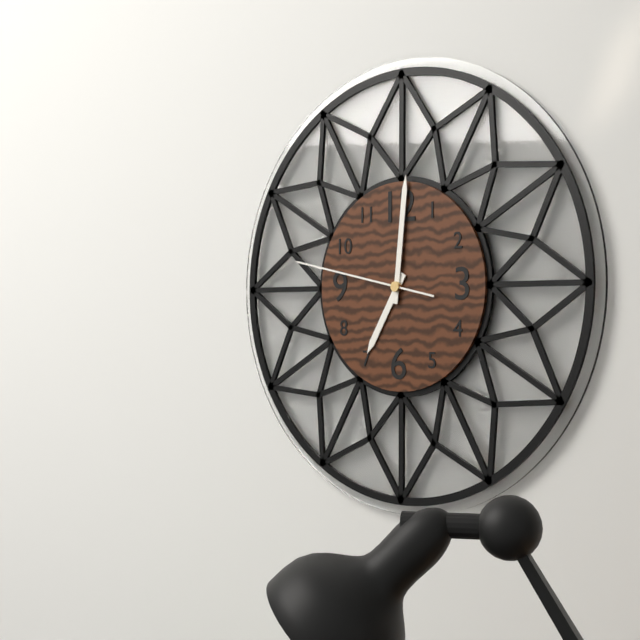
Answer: 7,01,47
